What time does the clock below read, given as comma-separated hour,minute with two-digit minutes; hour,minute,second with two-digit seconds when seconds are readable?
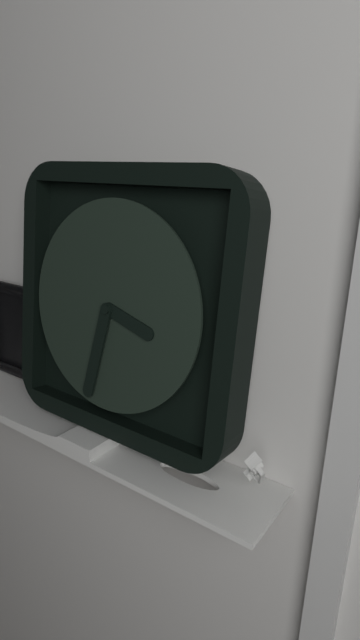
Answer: 3,32
